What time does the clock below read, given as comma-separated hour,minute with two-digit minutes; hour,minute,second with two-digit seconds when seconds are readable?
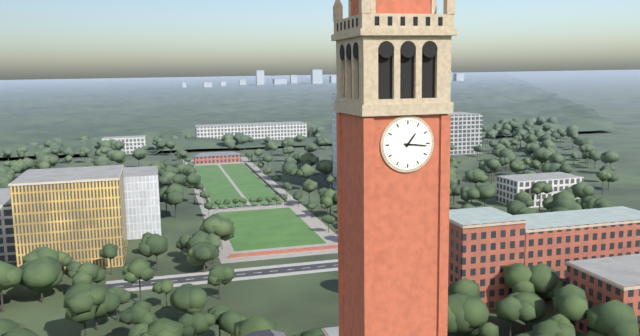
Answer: 1,16
